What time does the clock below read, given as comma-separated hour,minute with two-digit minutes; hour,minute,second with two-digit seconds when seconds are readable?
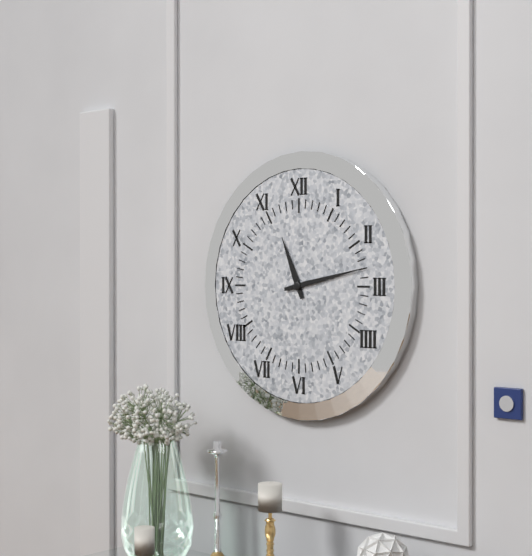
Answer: 11,13
